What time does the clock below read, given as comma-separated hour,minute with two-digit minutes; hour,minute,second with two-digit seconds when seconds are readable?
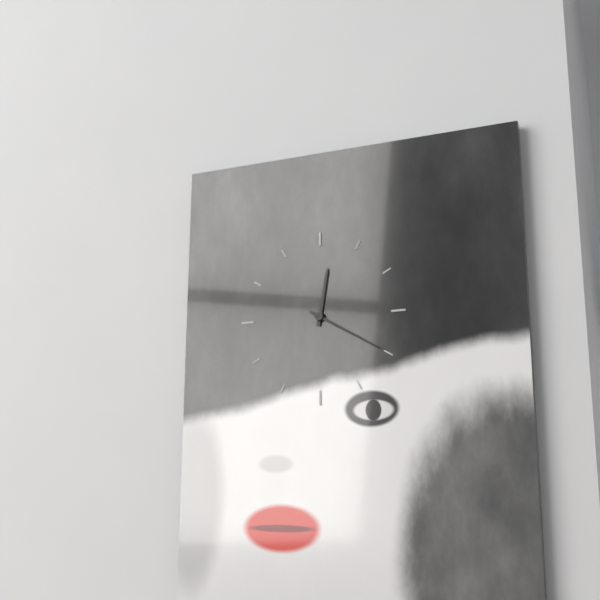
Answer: 12,20
